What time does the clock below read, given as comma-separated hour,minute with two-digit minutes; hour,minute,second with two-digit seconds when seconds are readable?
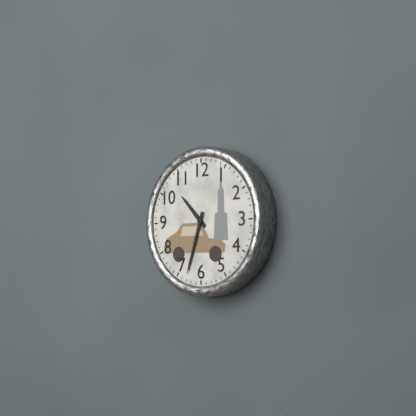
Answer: 10,33
